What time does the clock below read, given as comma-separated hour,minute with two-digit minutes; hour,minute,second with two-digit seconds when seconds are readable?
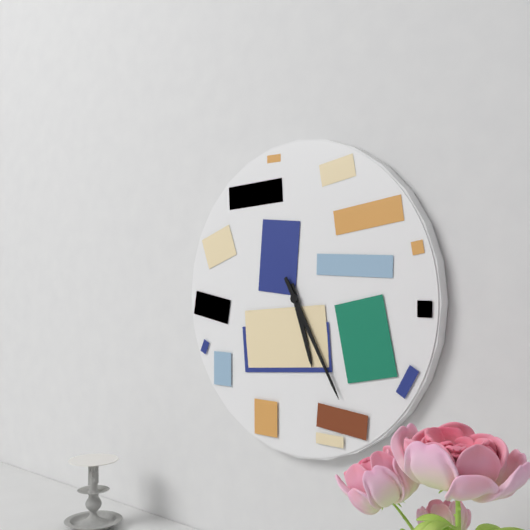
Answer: 5,25
